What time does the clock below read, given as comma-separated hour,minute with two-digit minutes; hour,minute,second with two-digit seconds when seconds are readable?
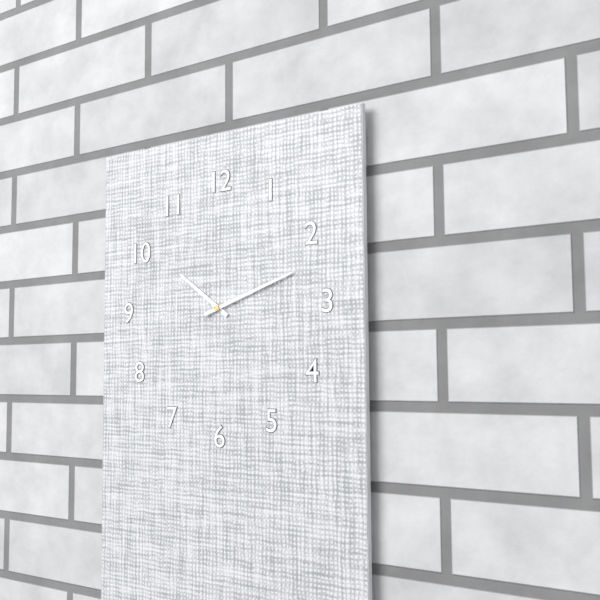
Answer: 10,12
